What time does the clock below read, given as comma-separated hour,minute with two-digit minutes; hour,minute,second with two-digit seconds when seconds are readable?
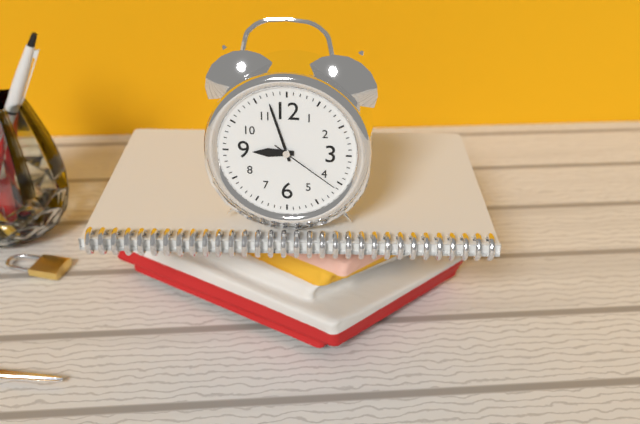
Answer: 8,57,21
